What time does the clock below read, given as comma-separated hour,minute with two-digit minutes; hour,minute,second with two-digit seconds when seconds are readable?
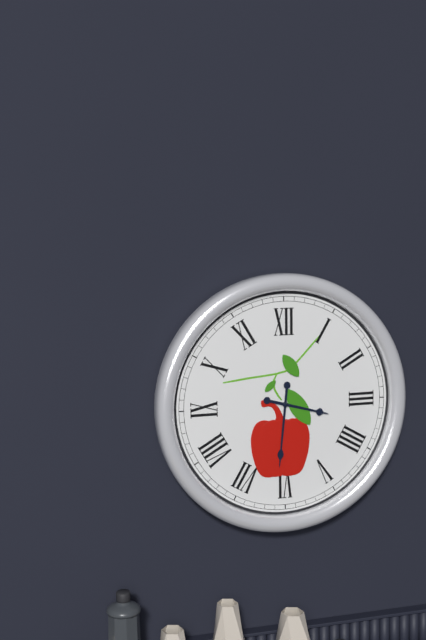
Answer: 3,31
